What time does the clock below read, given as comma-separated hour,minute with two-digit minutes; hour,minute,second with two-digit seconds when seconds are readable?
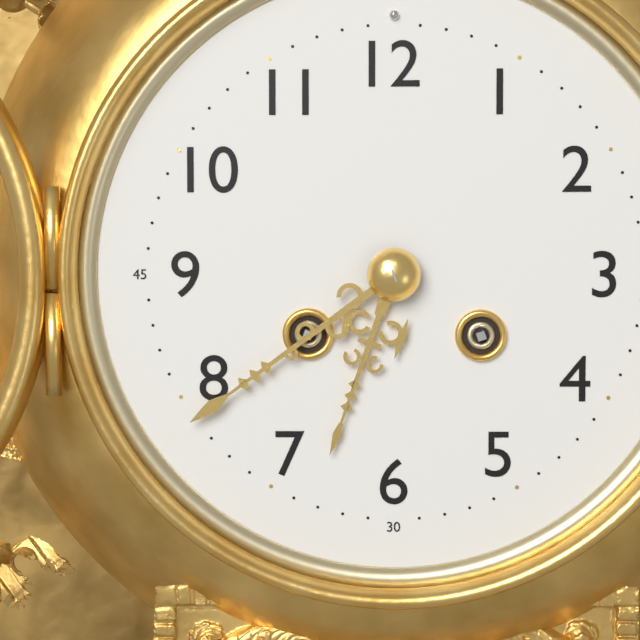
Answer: 6,39
